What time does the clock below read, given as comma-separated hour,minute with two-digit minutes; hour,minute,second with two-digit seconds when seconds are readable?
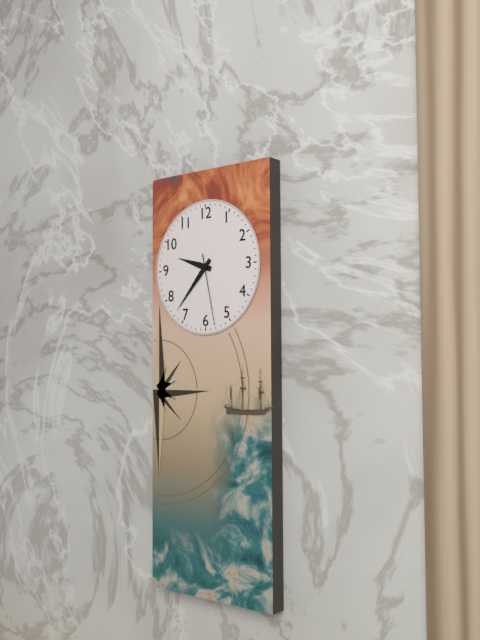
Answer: 9,37,28
